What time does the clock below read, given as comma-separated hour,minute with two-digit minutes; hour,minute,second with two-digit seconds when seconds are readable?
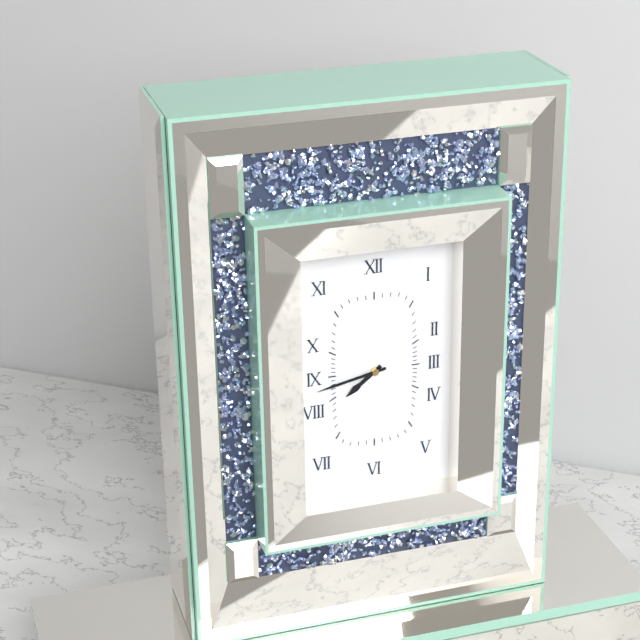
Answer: 7,43
